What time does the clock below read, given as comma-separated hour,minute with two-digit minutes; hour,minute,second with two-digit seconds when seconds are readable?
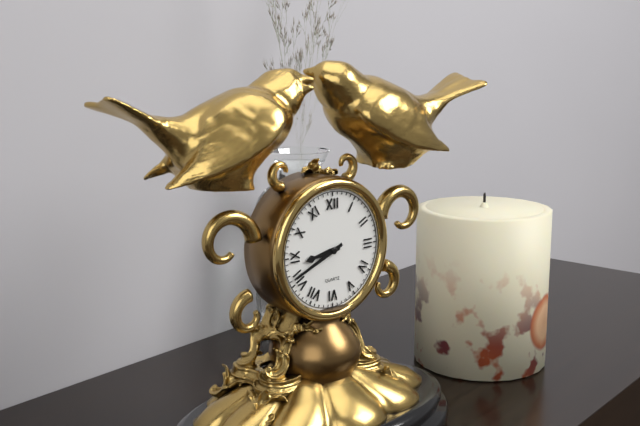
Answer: 8,41
